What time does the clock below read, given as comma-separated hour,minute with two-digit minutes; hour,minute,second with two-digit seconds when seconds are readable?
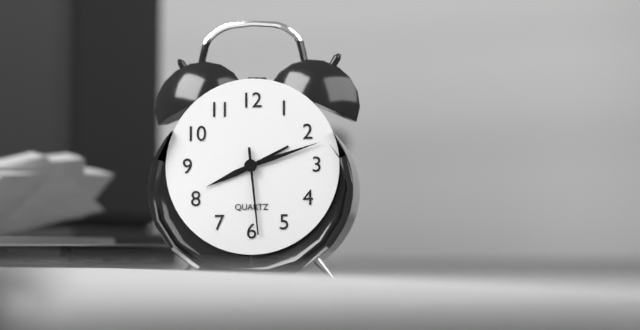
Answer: 8,12,29
